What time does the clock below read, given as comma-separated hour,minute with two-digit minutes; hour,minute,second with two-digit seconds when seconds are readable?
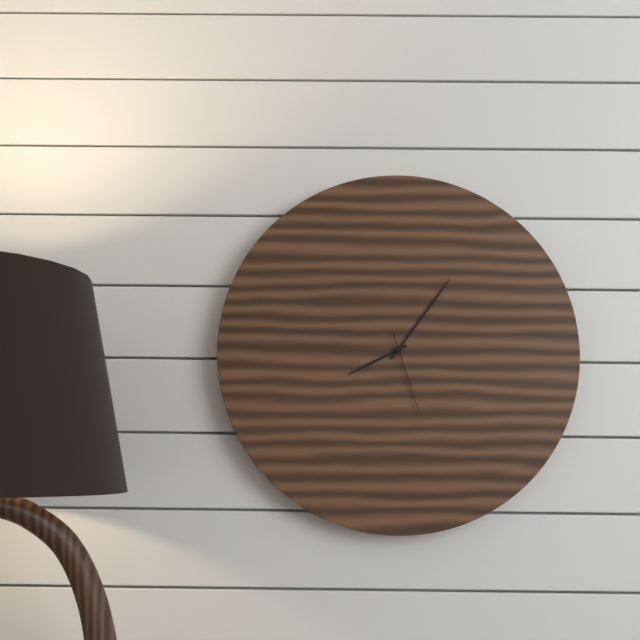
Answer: 8,06,27
